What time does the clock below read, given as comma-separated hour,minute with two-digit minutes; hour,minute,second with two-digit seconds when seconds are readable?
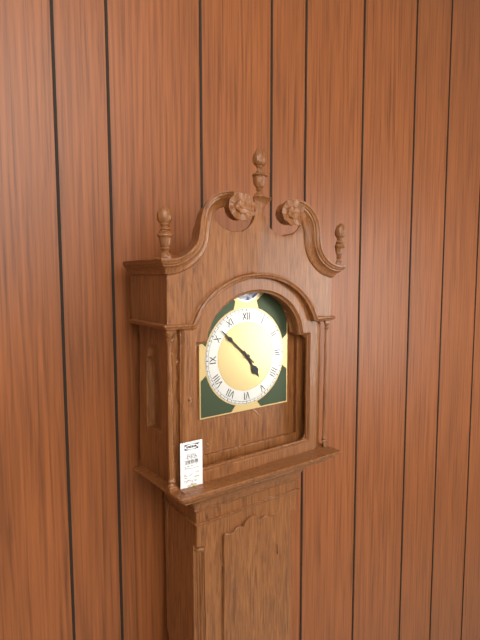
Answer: 4,52
